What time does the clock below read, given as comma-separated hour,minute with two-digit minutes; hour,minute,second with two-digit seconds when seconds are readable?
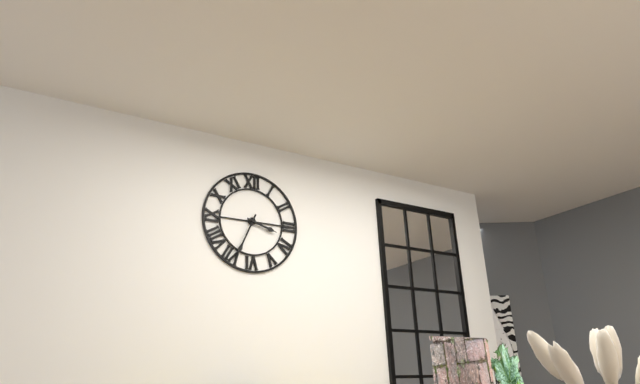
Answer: 3,34
